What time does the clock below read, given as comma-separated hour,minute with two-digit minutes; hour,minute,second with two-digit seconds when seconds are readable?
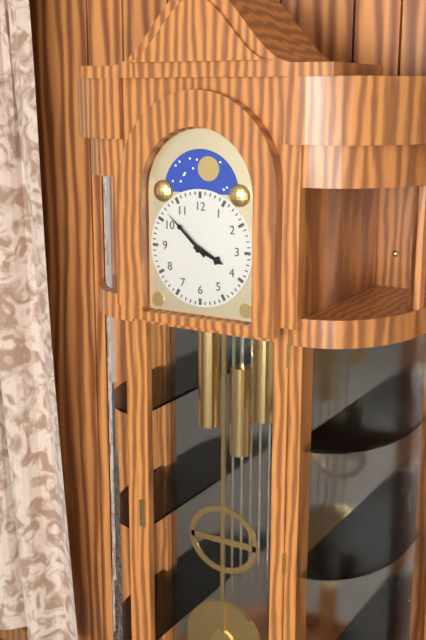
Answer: 3,52
